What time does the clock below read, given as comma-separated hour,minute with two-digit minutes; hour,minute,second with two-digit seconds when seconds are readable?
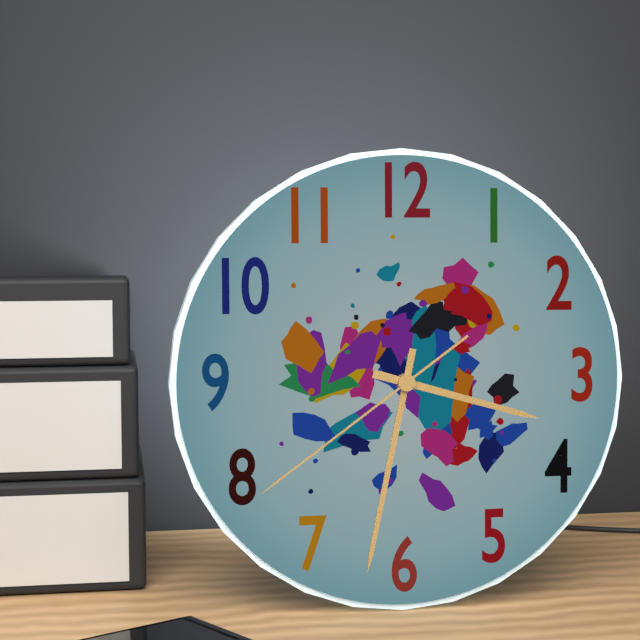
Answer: 3,32,39
